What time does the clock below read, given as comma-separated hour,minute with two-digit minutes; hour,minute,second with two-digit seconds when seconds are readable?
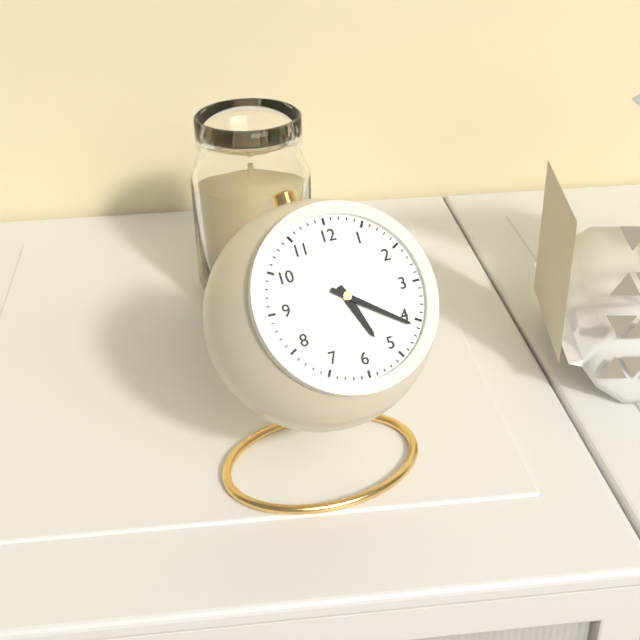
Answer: 5,21
